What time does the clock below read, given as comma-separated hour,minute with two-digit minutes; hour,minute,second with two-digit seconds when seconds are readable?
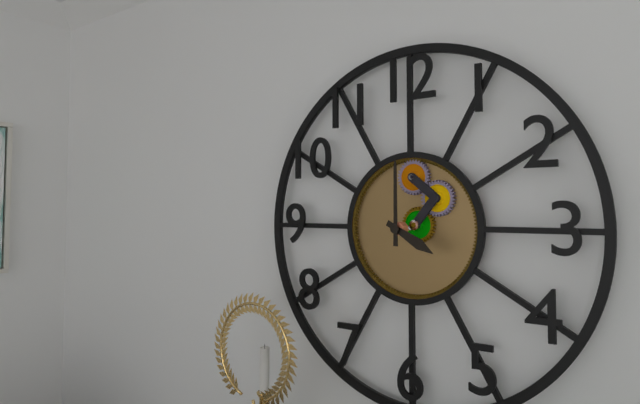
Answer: 4,00
